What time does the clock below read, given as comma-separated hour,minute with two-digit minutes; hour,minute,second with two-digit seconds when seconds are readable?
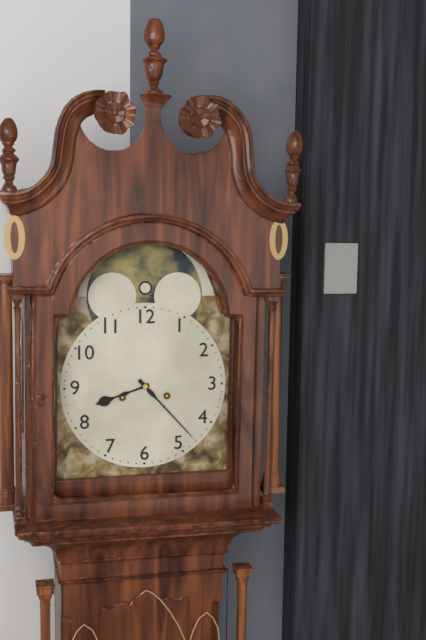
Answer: 8,23
